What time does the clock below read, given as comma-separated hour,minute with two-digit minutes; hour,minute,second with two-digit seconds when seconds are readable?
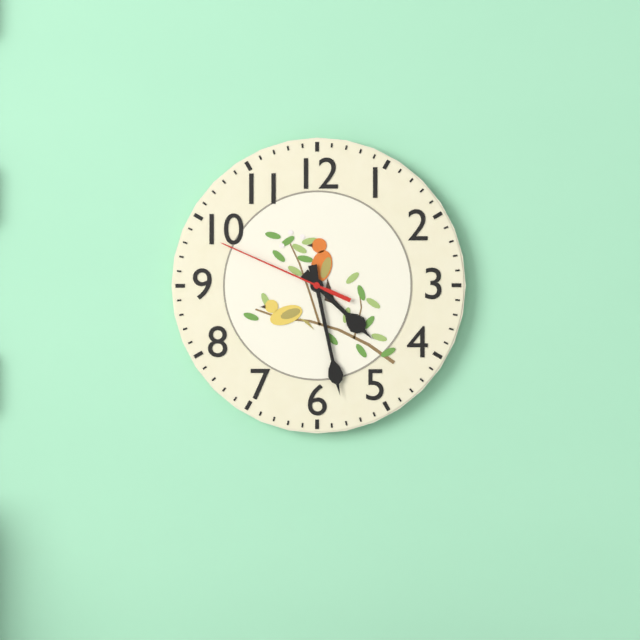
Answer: 4,28,49
